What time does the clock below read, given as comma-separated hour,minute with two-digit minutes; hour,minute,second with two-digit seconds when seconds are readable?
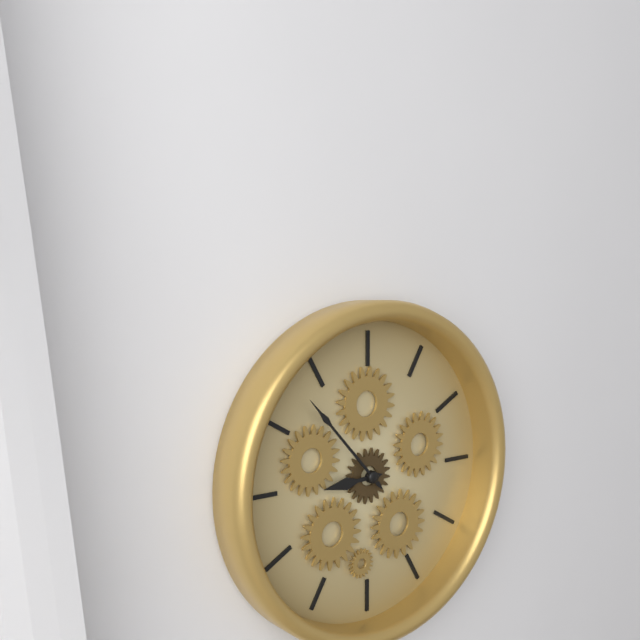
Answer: 8,53
